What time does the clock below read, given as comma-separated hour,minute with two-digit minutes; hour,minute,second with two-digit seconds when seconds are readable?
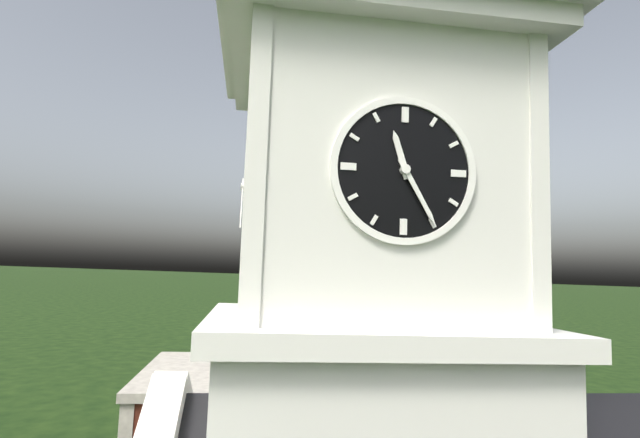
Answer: 11,25
